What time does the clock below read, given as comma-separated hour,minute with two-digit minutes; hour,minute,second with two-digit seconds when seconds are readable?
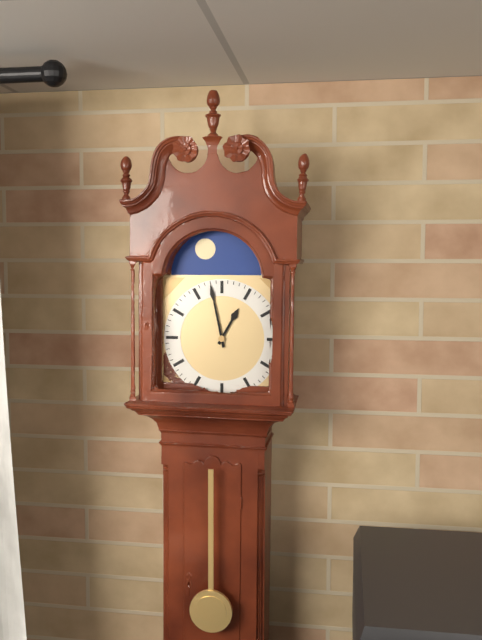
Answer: 12,58
